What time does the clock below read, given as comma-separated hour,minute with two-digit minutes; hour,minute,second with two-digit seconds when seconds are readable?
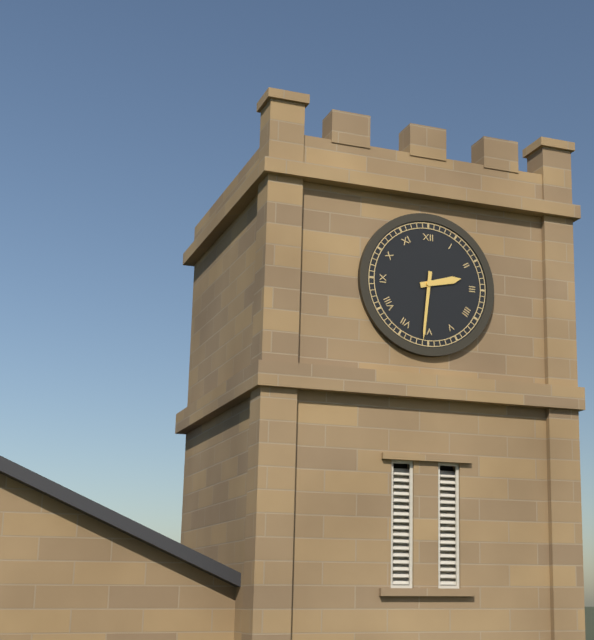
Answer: 2,31
